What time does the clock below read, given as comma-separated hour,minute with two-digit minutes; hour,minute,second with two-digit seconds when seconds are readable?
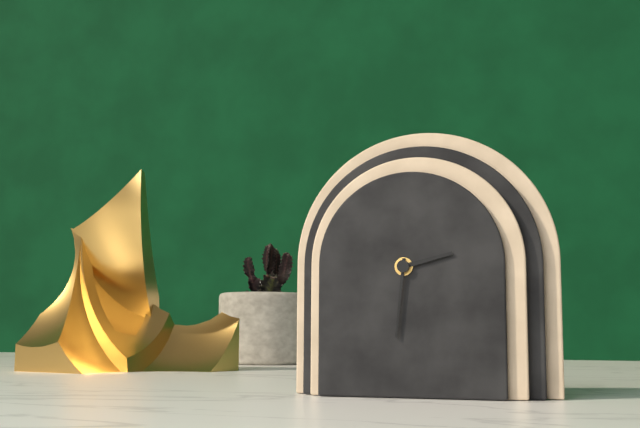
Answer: 2,31
